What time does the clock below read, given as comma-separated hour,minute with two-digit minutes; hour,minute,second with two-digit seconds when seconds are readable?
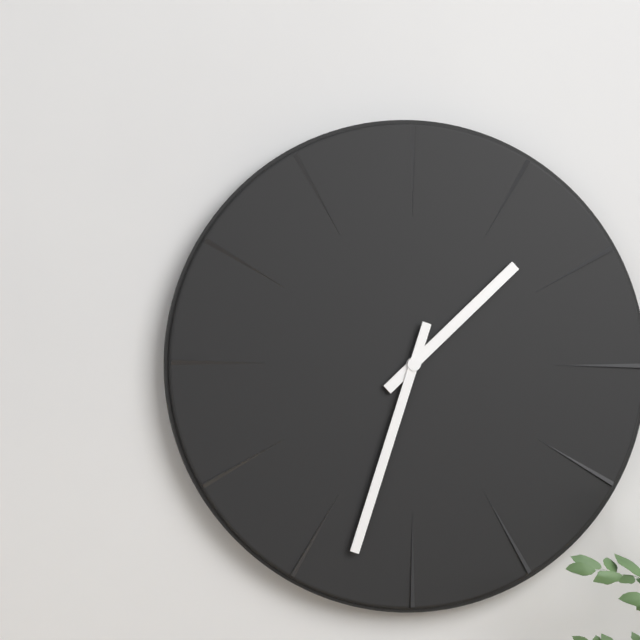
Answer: 1,33
